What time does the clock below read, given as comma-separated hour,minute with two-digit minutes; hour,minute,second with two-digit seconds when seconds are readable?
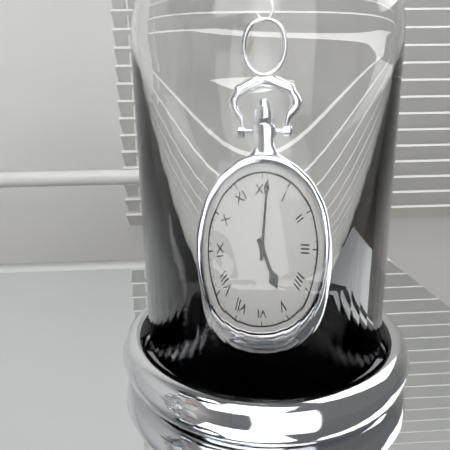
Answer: 5,01
